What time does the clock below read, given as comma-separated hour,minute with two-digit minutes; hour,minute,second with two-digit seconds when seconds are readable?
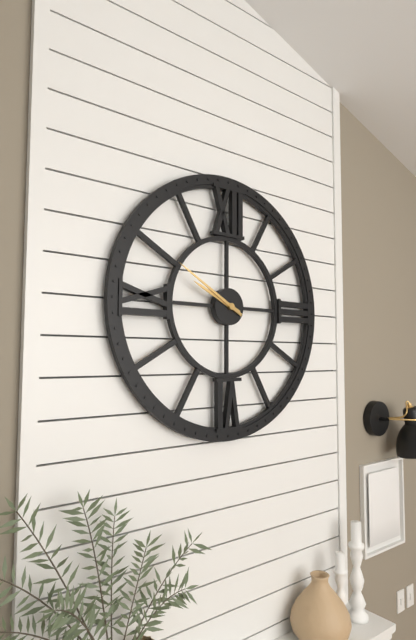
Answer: 9,50
